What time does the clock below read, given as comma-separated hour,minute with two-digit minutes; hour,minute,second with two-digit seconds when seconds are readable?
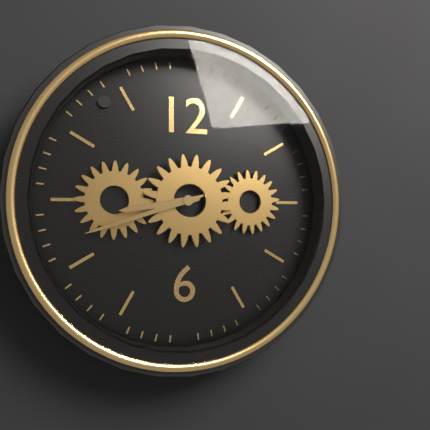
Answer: 8,42
